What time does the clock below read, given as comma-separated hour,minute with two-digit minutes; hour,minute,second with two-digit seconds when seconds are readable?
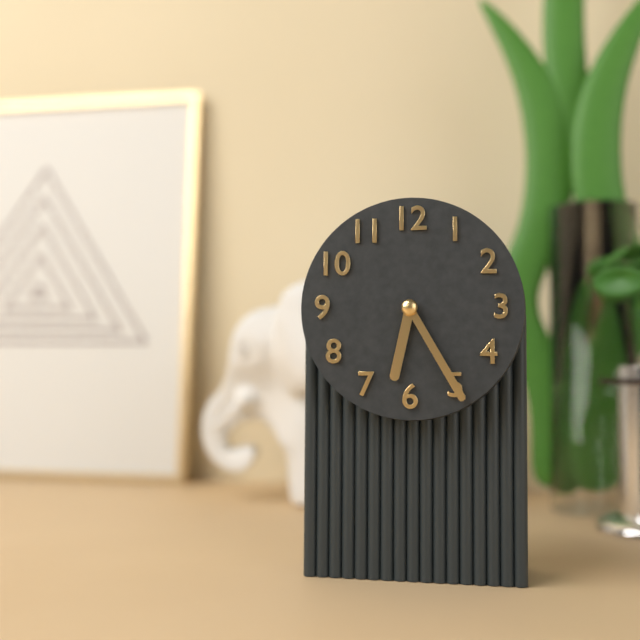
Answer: 6,25
